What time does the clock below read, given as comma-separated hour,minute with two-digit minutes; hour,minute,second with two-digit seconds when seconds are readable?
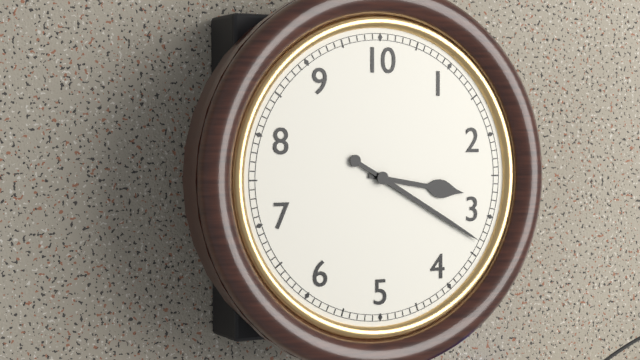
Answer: 3,20
